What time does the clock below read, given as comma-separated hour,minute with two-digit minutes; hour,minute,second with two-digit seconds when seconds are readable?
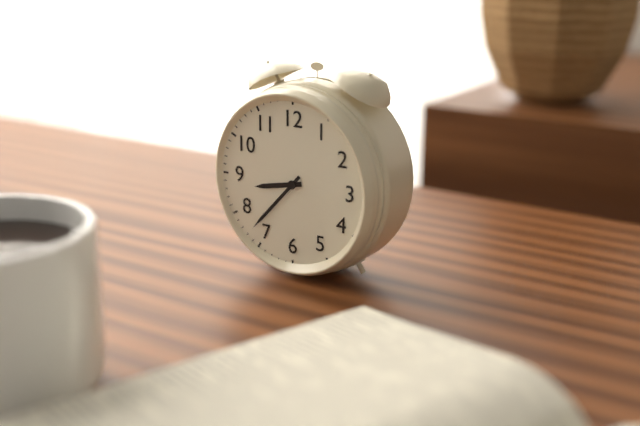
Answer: 8,37
